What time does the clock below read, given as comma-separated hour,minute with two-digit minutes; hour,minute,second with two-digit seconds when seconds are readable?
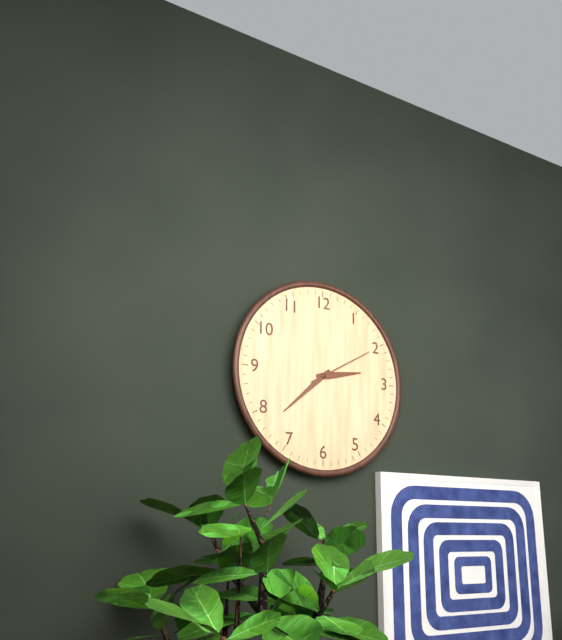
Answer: 2,38,10
